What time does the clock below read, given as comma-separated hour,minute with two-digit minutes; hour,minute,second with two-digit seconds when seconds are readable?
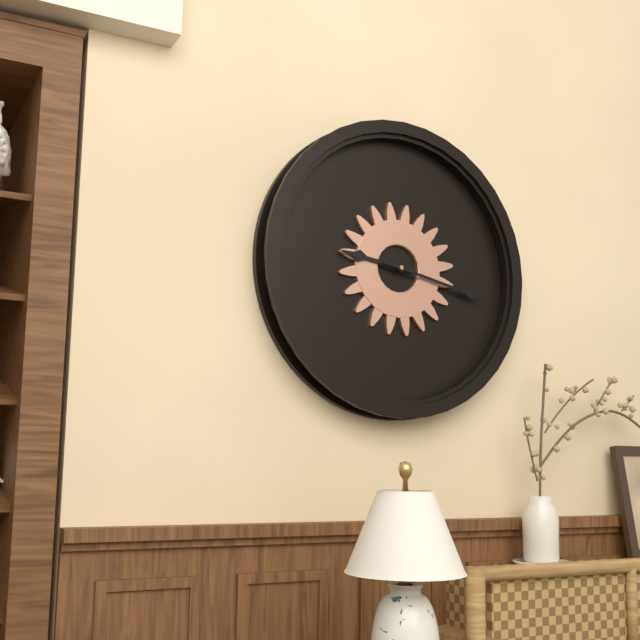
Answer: 9,17
